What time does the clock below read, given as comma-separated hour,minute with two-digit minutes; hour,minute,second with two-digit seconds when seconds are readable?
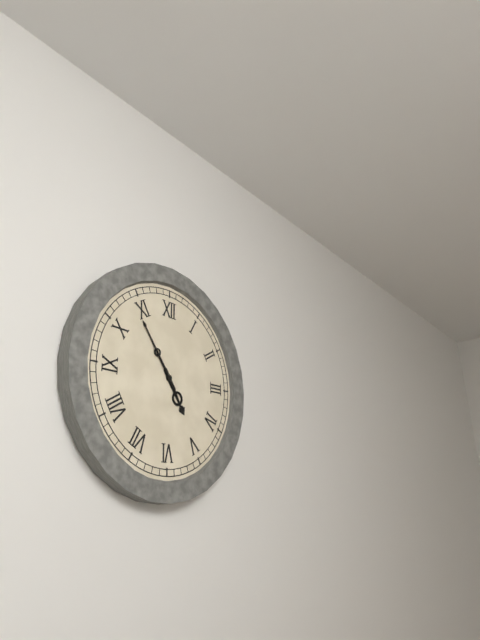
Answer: 4,54
